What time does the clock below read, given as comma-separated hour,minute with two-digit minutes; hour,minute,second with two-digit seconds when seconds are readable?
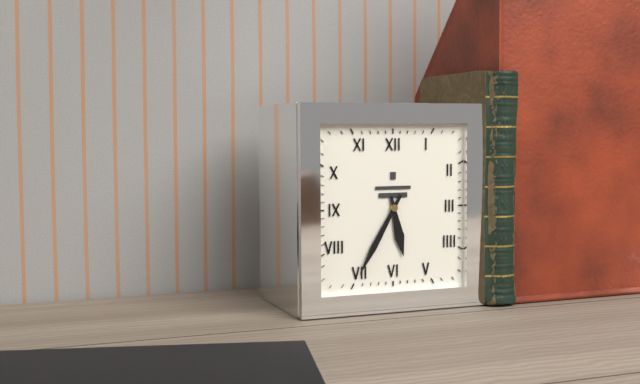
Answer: 5,35
